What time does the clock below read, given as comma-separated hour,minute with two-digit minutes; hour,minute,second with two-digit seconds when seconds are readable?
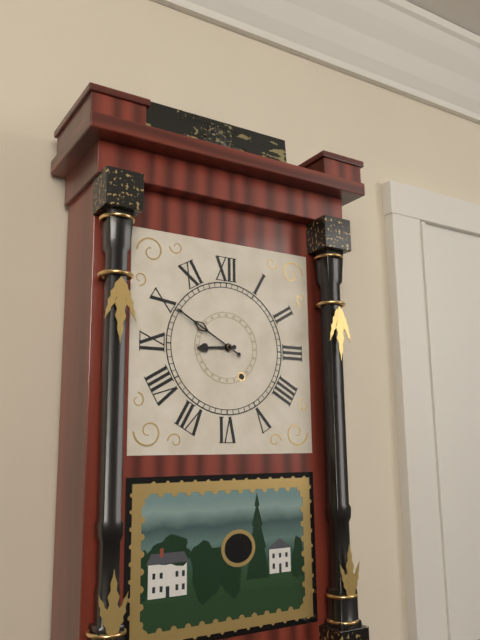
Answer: 8,50
